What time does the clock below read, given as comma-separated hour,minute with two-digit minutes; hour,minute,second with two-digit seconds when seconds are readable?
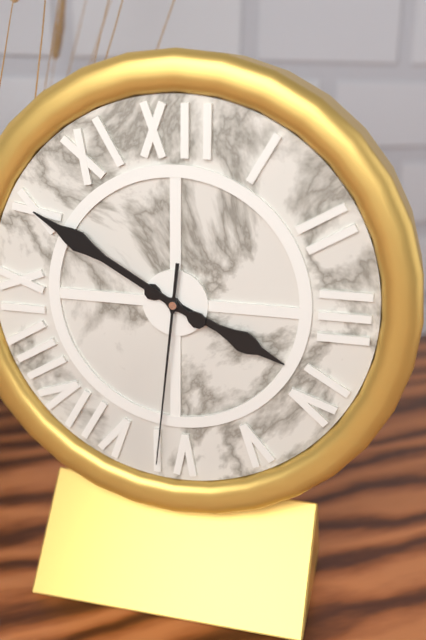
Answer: 3,50,31
